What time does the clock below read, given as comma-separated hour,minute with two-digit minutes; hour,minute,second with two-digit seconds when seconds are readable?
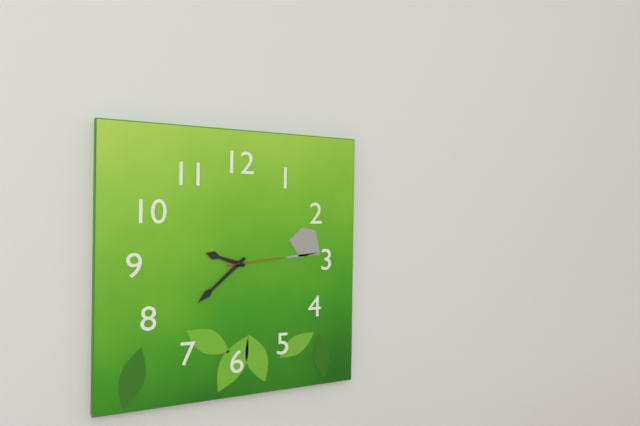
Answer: 9,38,14
